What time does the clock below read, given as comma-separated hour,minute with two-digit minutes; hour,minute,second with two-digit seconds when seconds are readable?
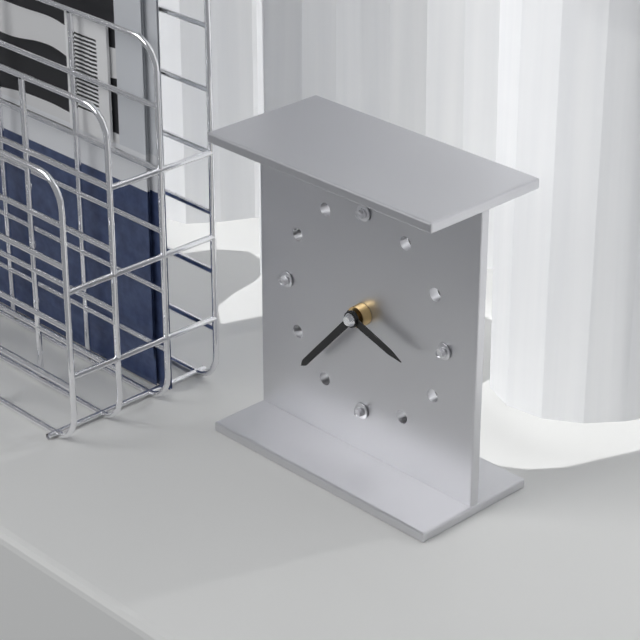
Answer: 3,37
